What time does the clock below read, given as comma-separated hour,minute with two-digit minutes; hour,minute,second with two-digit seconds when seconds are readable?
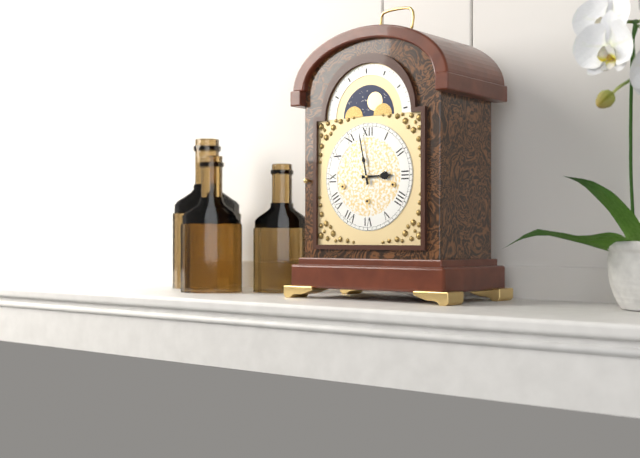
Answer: 2,58
